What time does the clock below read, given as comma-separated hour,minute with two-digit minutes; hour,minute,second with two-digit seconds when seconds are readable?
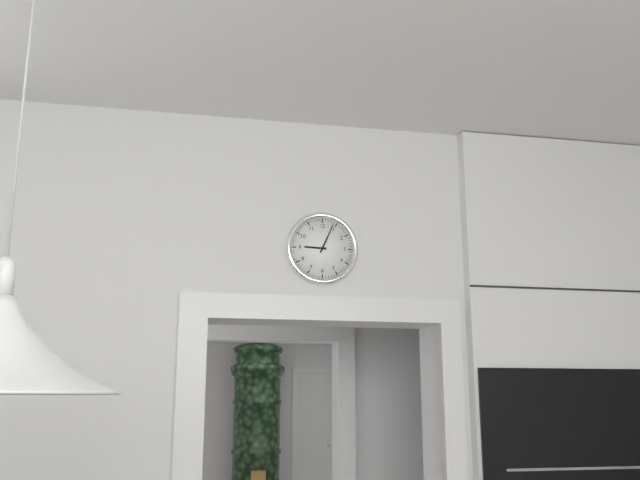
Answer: 9,04
